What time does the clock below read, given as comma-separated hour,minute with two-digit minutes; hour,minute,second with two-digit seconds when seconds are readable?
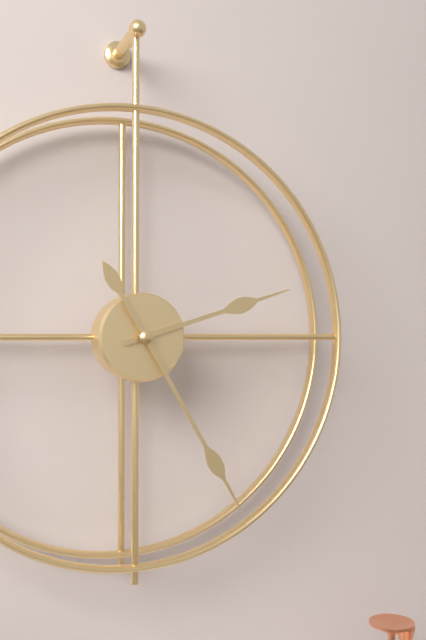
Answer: 2,25
